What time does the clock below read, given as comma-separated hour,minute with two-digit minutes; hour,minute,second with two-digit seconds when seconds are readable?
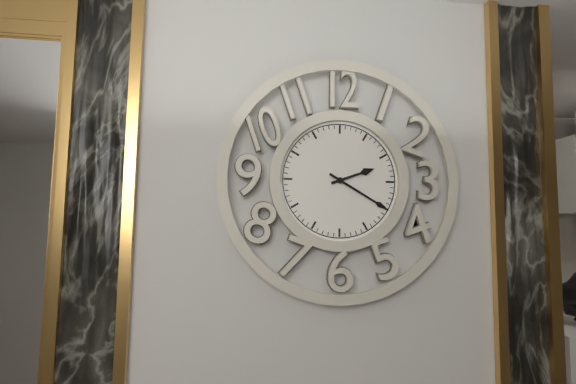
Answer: 2,20
